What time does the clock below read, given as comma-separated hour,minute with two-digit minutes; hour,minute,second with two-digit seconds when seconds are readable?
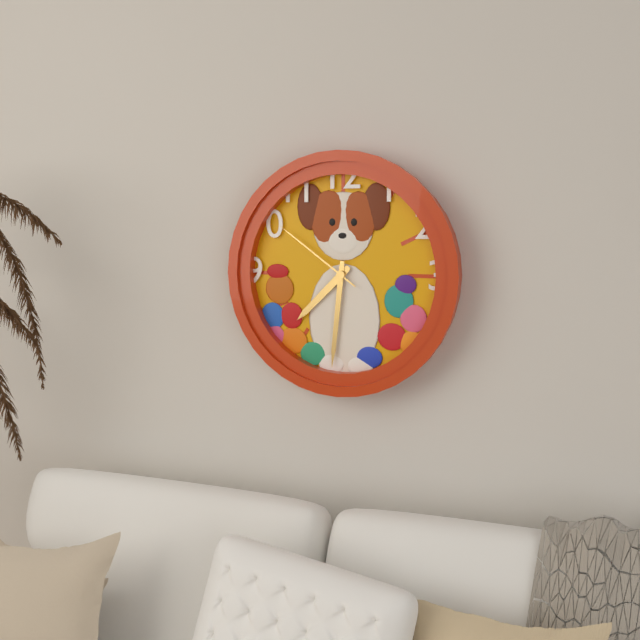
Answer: 7,31,51
